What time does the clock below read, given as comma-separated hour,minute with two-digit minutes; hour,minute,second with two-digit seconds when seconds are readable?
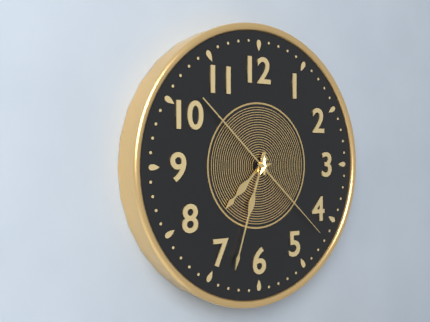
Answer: 7,33,22
